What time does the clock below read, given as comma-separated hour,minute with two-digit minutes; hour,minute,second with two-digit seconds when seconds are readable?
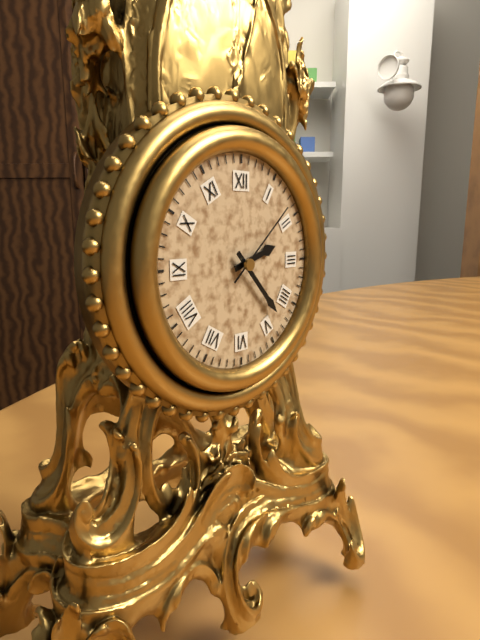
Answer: 2,23,08
